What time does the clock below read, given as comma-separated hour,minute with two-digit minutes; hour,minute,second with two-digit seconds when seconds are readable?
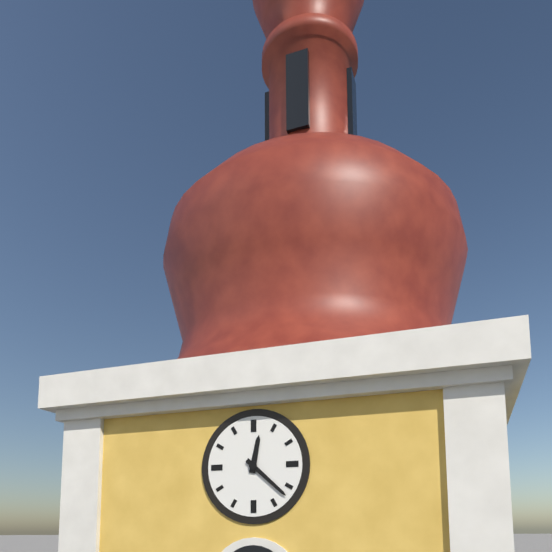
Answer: 12,22
